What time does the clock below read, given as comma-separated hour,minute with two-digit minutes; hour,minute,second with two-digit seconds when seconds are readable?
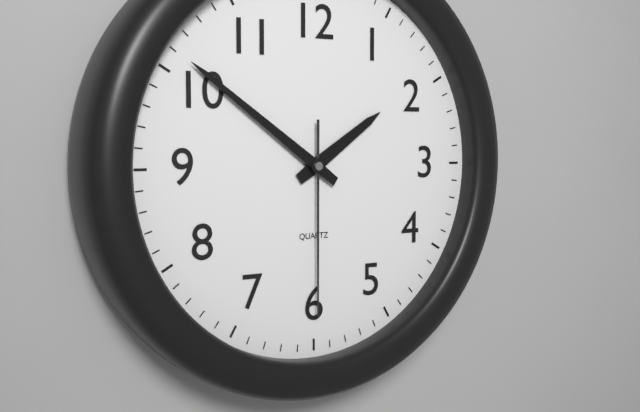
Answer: 1,51,30
